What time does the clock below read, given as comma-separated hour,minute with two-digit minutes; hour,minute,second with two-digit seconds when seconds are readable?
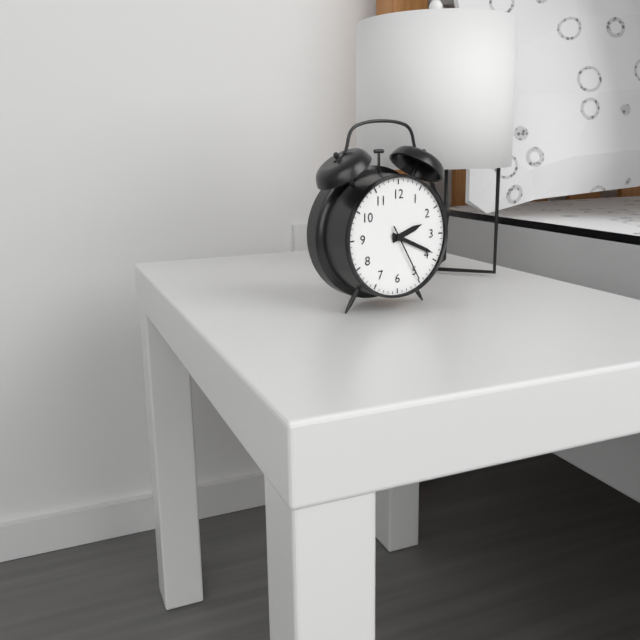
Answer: 2,19,25
